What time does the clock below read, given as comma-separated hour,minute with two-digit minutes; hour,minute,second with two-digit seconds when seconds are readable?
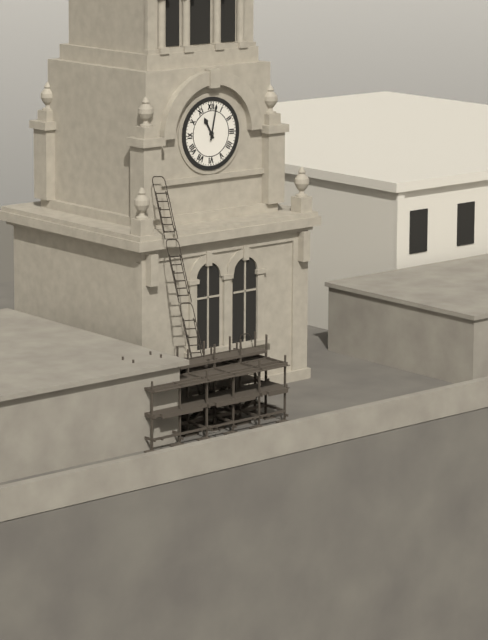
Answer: 11,02
